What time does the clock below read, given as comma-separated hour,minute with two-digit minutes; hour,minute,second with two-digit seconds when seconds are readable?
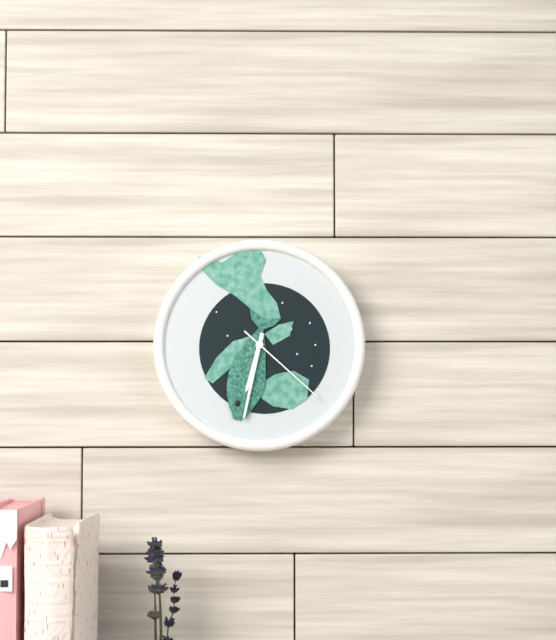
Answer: 6,32,22
